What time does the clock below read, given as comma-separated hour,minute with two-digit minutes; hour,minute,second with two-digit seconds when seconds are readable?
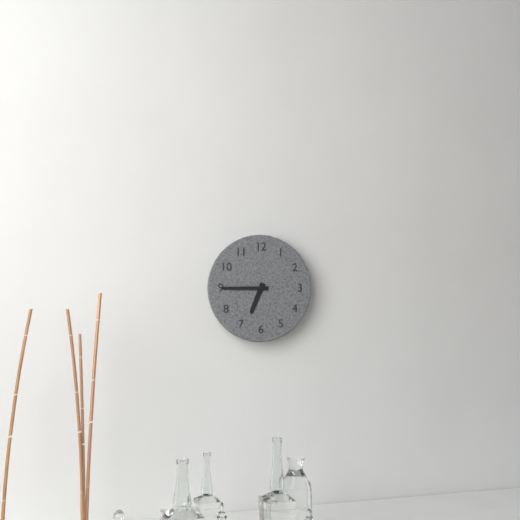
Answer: 6,45
